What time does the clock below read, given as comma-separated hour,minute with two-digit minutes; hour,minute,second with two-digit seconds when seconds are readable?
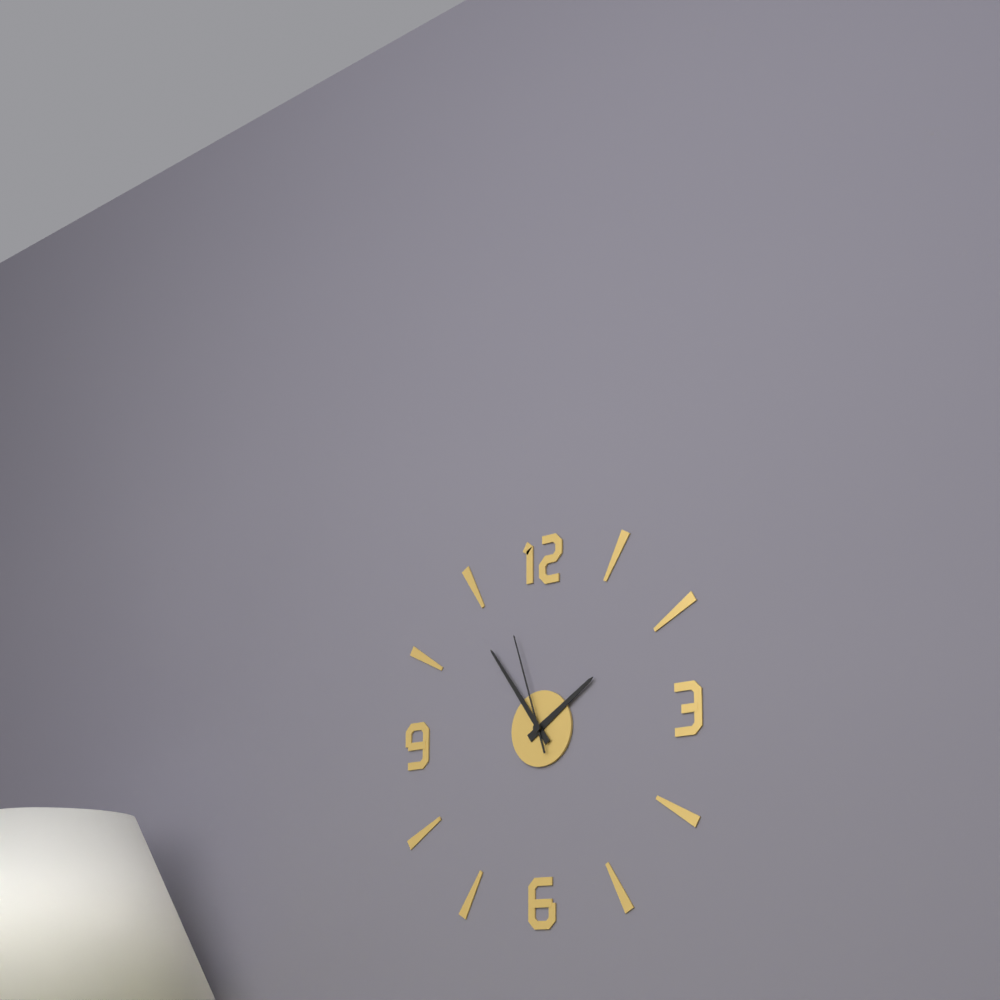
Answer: 1,54,57
